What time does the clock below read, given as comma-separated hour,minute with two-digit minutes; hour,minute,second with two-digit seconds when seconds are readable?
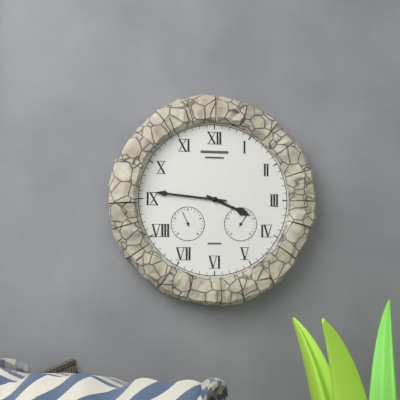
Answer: 3,46
